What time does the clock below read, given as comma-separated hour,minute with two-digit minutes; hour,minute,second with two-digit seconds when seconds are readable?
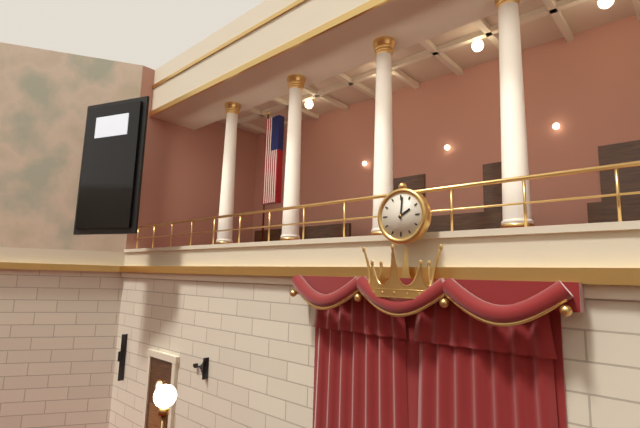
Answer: 2,01
